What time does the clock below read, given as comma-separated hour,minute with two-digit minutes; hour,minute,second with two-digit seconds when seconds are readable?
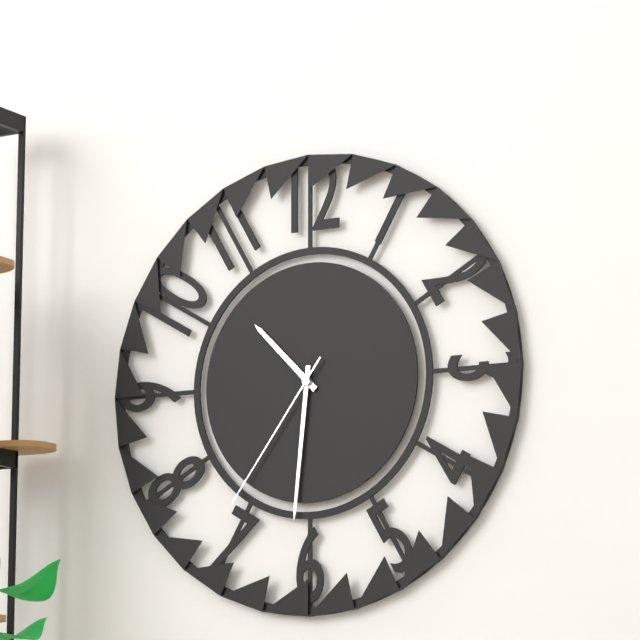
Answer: 10,31,36
